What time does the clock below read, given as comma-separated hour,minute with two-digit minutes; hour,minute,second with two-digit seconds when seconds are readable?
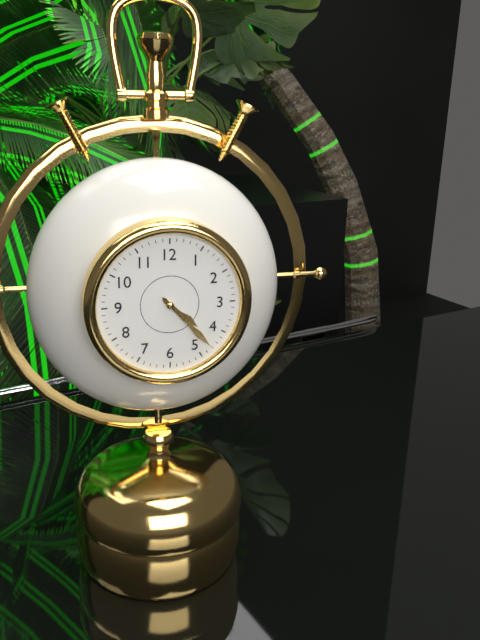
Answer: 4,23
